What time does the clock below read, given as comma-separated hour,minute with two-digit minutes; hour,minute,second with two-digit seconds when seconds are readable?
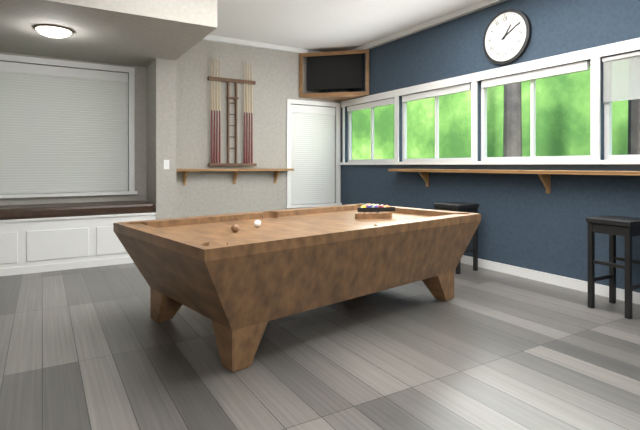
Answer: 1,10
